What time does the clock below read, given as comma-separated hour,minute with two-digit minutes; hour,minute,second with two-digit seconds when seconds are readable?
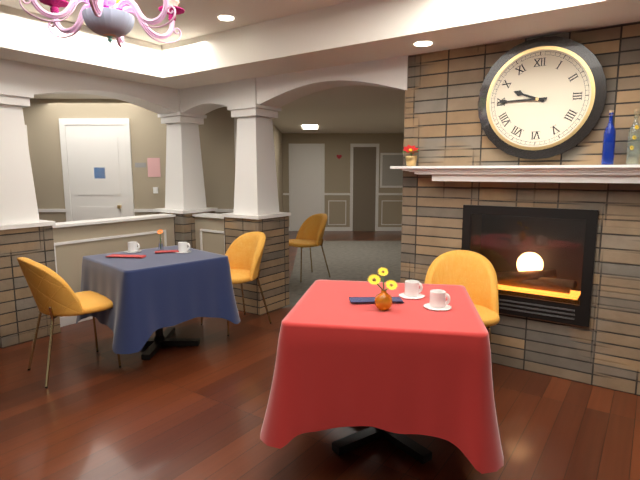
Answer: 9,45
